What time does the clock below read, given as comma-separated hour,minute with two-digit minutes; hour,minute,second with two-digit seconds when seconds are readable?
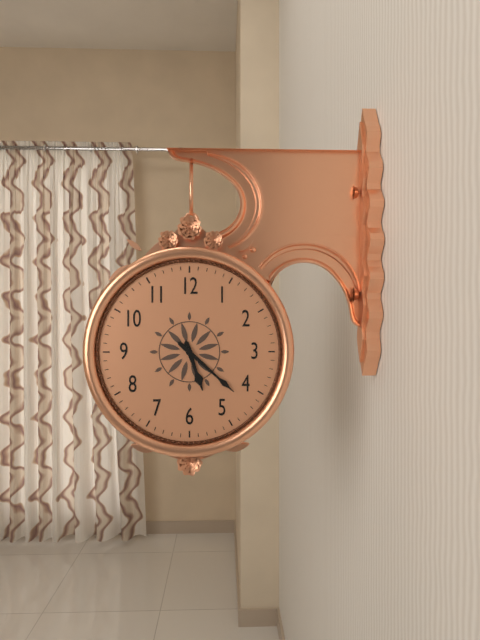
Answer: 5,22
